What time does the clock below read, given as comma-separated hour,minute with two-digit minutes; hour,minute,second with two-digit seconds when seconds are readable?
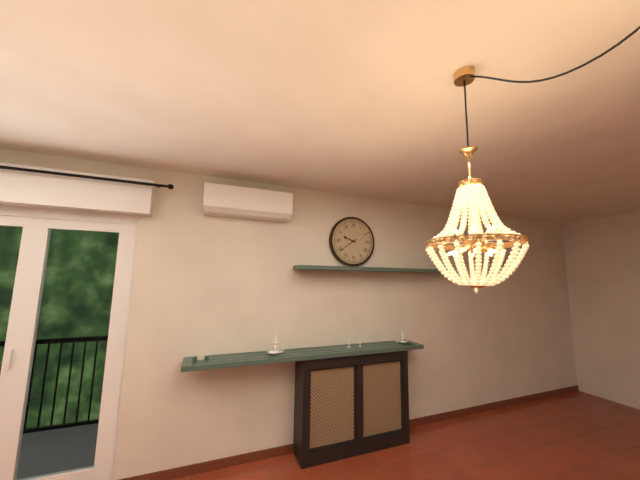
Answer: 9,39
